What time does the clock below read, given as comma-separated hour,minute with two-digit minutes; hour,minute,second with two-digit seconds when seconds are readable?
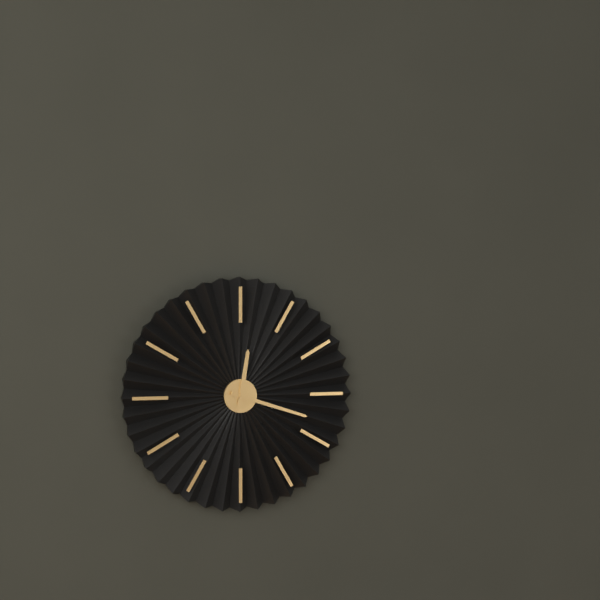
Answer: 12,18
